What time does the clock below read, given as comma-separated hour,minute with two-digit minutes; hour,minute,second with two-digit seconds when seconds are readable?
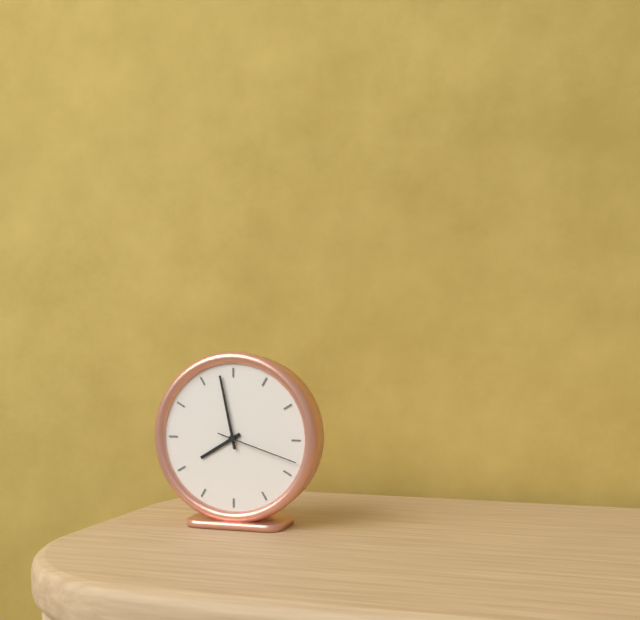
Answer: 7,58,18
